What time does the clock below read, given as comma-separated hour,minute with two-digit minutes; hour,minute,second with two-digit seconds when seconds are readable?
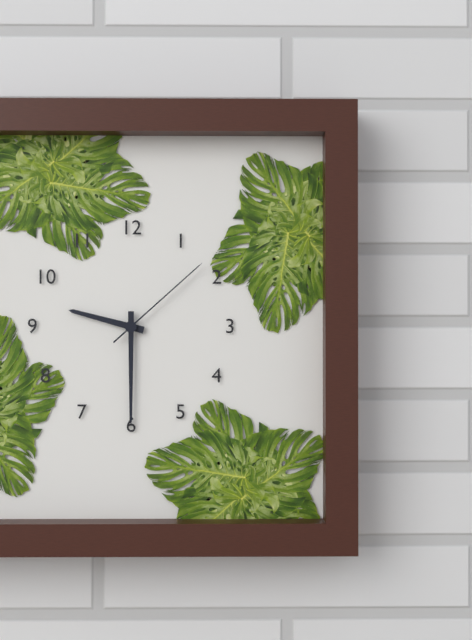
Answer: 9,30,08
